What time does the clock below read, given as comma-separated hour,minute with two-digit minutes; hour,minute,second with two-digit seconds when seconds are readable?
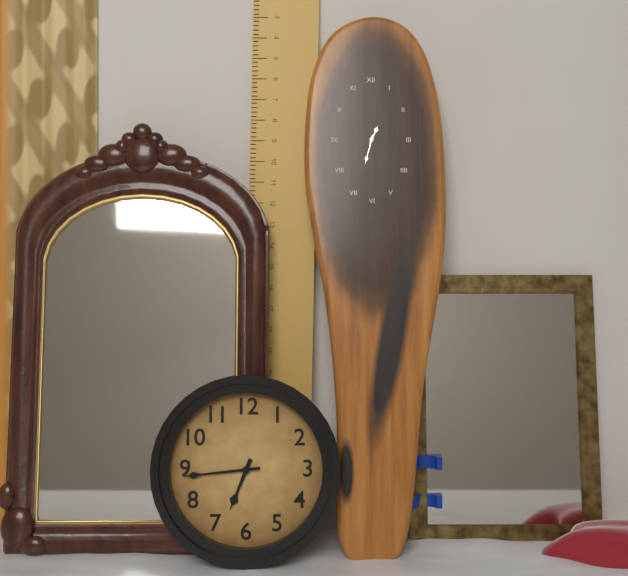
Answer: 6,44
